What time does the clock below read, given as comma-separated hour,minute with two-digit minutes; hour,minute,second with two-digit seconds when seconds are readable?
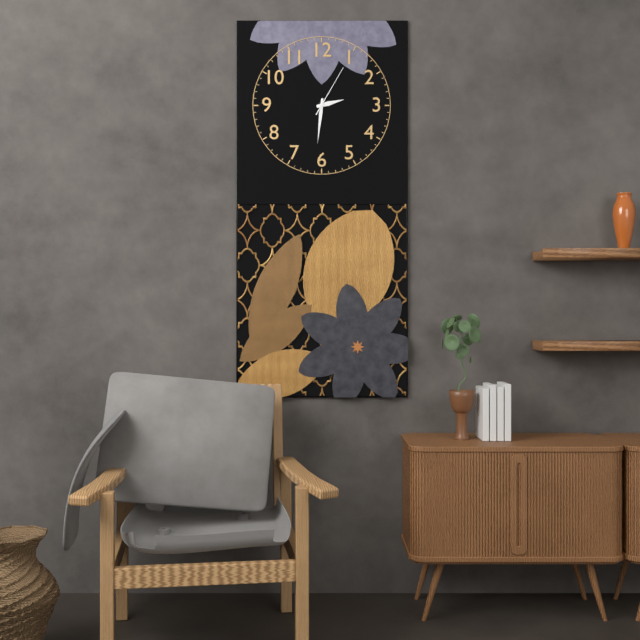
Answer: 2,31,05
